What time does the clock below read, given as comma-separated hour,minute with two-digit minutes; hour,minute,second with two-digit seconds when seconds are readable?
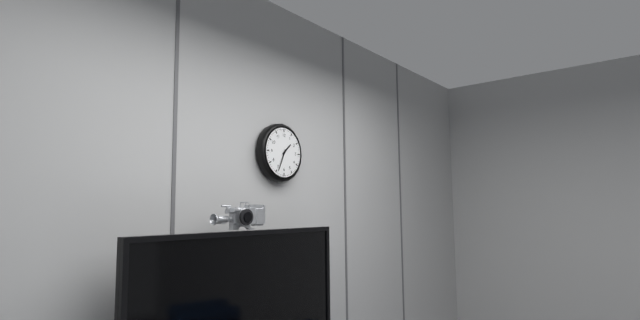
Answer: 1,34
